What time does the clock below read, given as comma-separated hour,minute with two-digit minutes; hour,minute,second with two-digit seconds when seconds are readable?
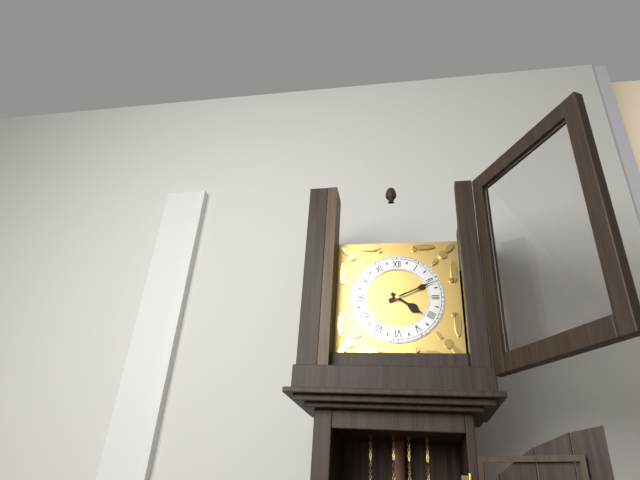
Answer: 4,11
